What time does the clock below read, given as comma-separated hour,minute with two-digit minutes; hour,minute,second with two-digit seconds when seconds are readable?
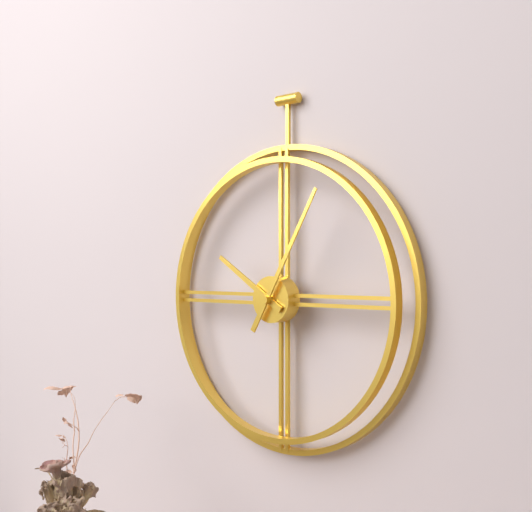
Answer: 10,05
